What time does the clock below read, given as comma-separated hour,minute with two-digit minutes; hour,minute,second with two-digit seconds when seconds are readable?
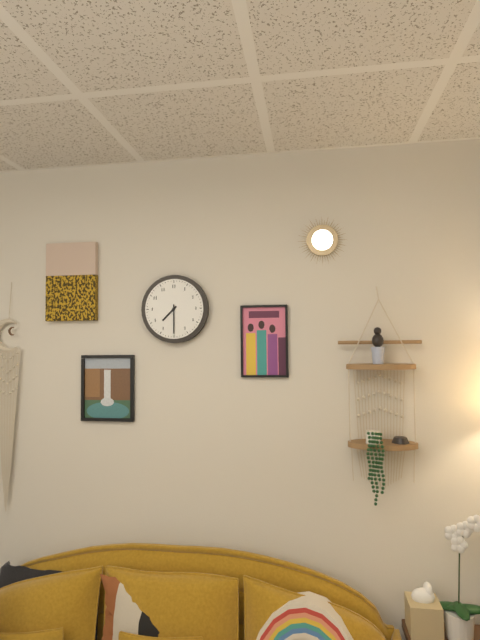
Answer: 7,30
